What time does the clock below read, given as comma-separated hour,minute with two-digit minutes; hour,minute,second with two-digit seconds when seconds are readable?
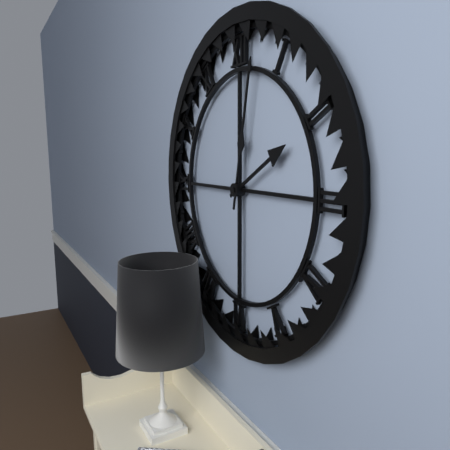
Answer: 2,02
